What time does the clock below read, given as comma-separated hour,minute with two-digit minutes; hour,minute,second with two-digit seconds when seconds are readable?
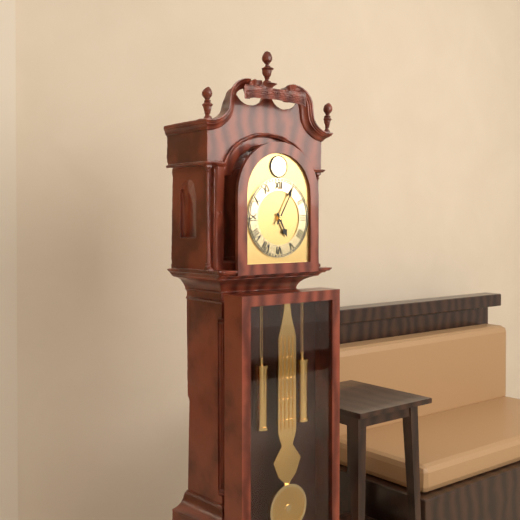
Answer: 5,05
